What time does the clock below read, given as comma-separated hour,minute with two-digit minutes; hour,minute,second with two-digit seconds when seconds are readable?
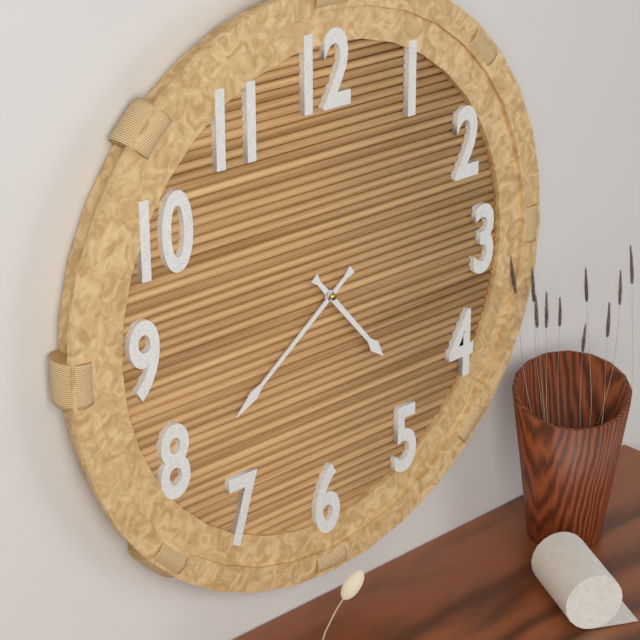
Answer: 4,39
